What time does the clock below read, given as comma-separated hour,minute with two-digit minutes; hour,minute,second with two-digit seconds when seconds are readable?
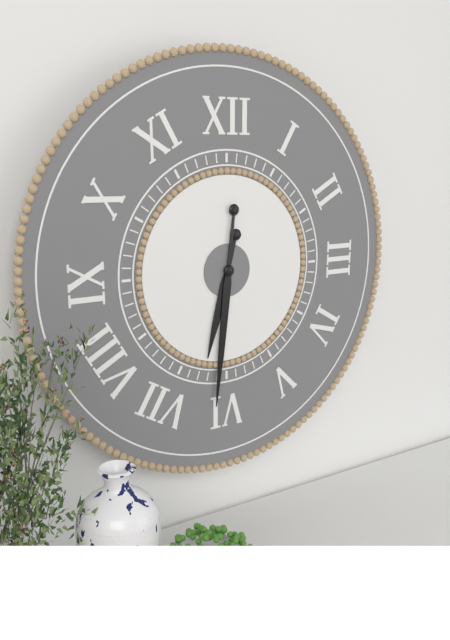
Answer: 6,31
